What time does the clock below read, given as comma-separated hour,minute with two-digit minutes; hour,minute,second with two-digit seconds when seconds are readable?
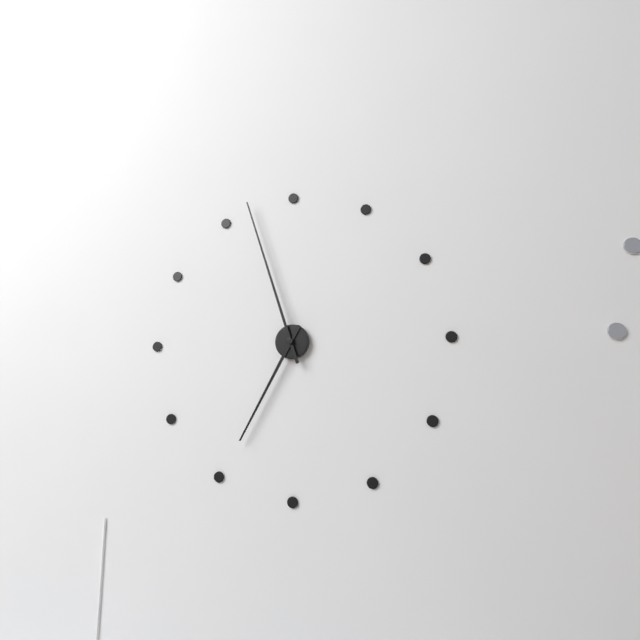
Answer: 6,57
